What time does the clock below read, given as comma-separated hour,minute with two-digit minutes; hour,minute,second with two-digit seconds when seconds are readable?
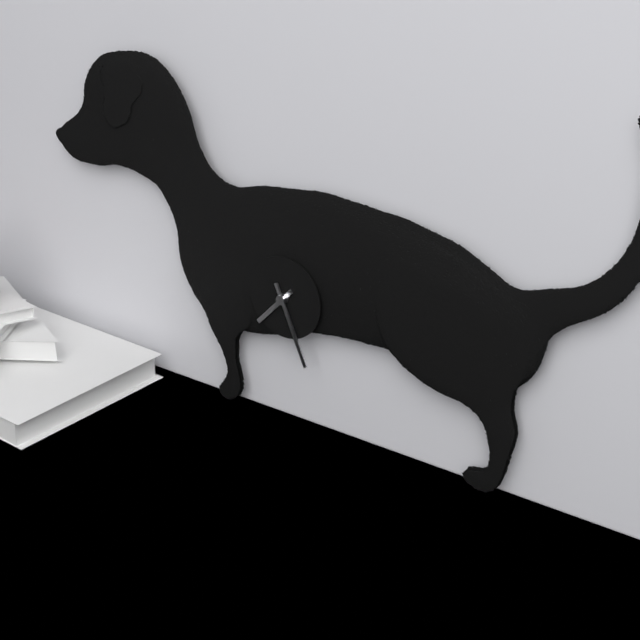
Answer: 7,26
